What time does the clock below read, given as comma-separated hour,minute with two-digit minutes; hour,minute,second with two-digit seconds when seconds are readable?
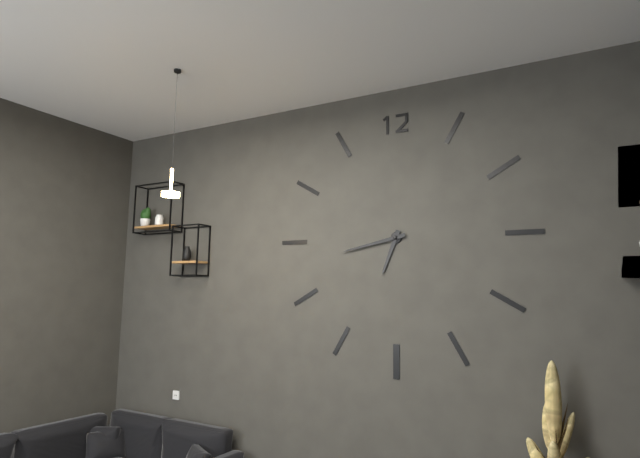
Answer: 6,43
